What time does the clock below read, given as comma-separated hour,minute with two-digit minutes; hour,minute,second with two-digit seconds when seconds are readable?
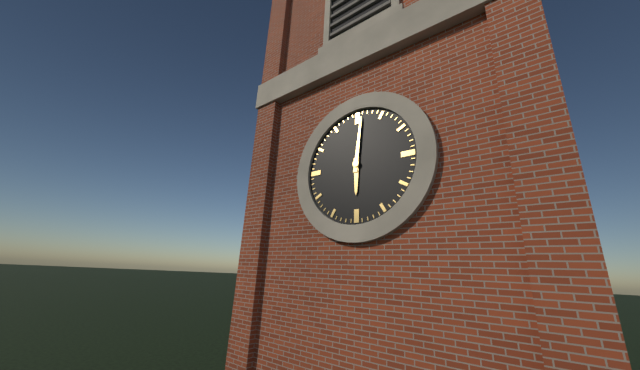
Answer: 6,01
